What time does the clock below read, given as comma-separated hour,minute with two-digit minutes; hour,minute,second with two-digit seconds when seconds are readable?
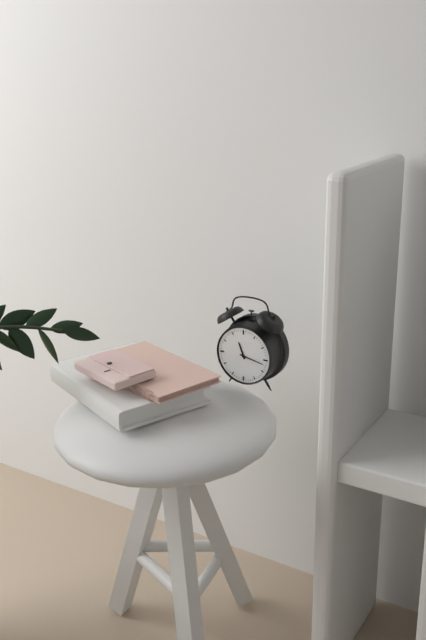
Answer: 11,17
